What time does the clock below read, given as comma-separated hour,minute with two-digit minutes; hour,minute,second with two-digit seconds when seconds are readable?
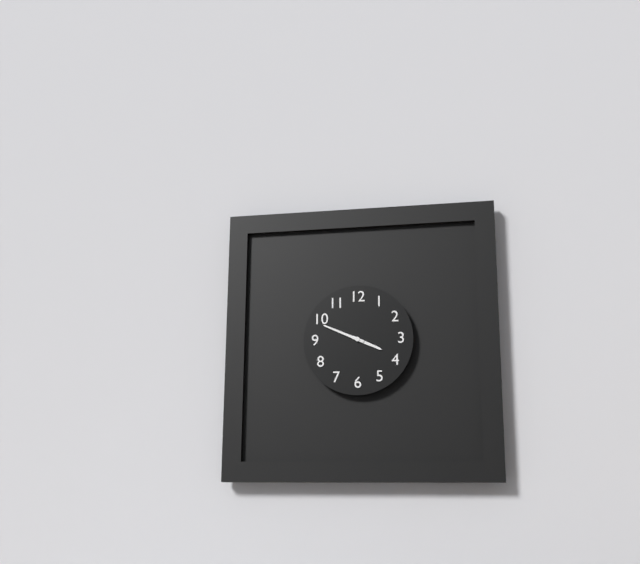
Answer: 3,49
